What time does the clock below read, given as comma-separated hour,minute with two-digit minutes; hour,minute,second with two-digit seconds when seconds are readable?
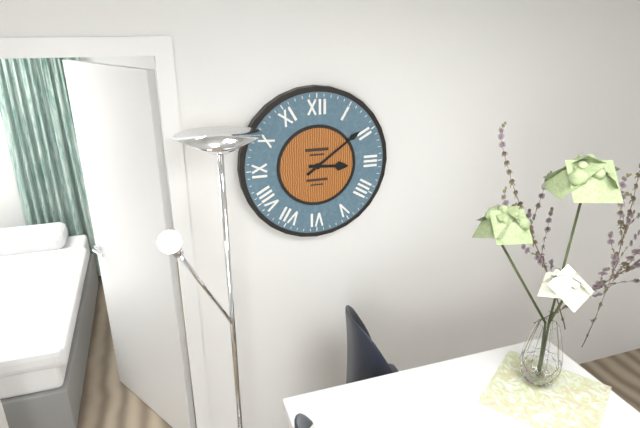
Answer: 3,09
